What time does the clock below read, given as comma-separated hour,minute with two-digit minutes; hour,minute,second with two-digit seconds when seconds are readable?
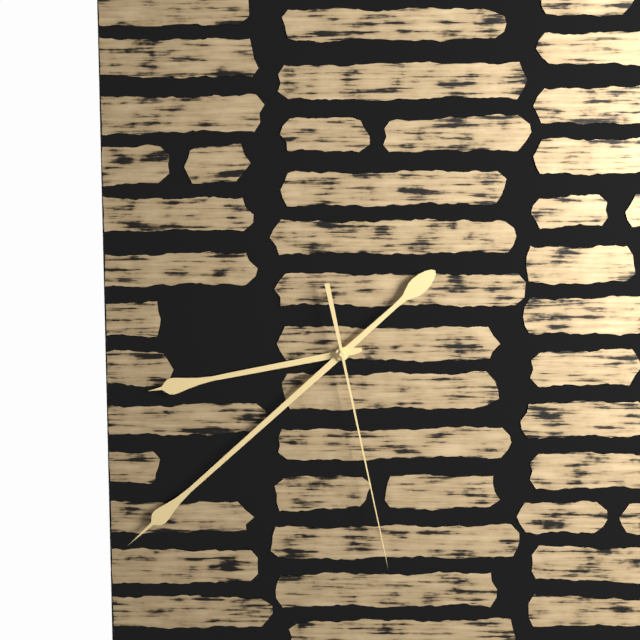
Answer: 8,38,28
